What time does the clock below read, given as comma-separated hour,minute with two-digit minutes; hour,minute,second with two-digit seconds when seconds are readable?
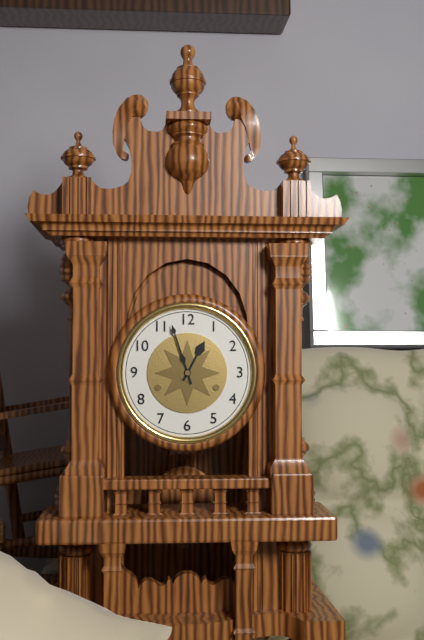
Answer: 12,57
